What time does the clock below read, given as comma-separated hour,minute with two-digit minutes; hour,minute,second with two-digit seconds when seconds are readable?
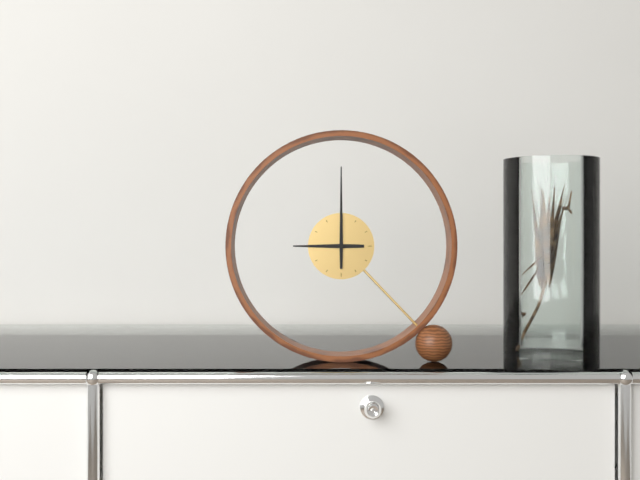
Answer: 9,00
